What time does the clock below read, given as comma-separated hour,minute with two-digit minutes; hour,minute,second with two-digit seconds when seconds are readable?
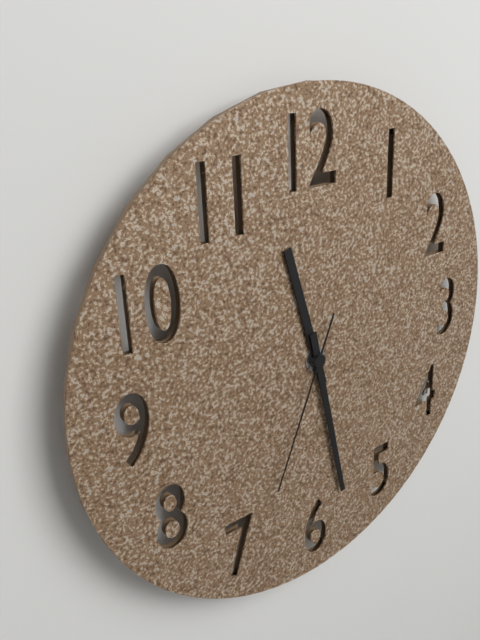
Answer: 11,28,34
